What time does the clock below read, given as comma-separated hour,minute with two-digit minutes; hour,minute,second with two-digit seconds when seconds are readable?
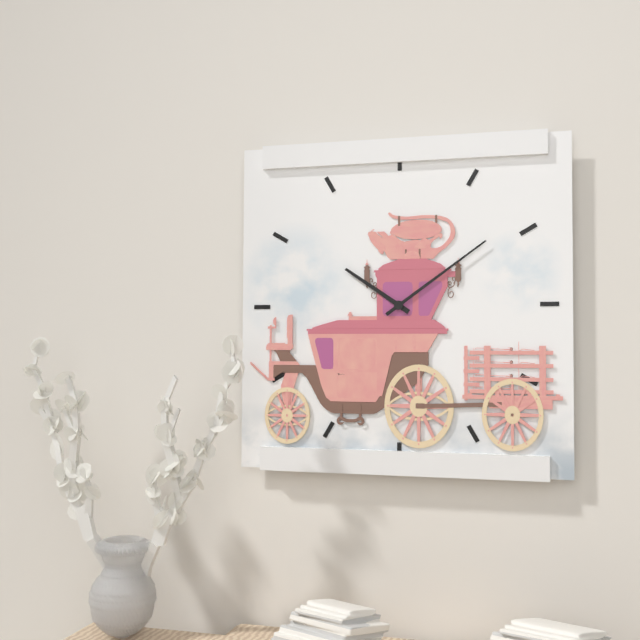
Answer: 10,09
